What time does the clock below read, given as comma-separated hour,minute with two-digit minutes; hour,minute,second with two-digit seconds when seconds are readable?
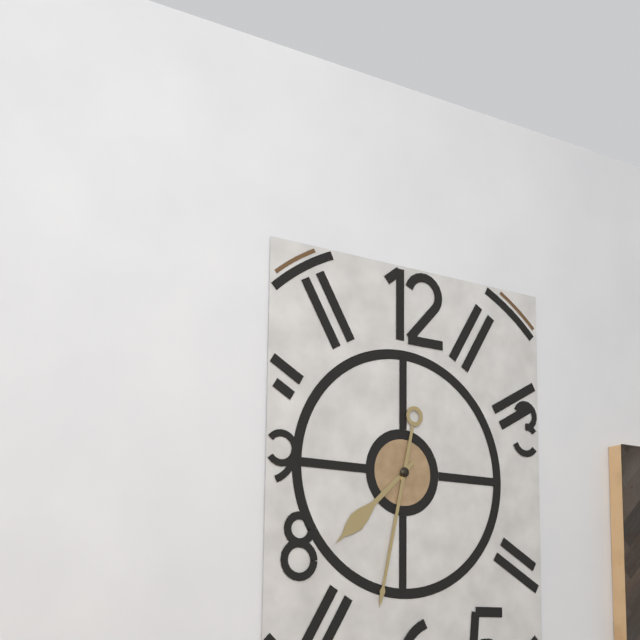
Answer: 7,32
